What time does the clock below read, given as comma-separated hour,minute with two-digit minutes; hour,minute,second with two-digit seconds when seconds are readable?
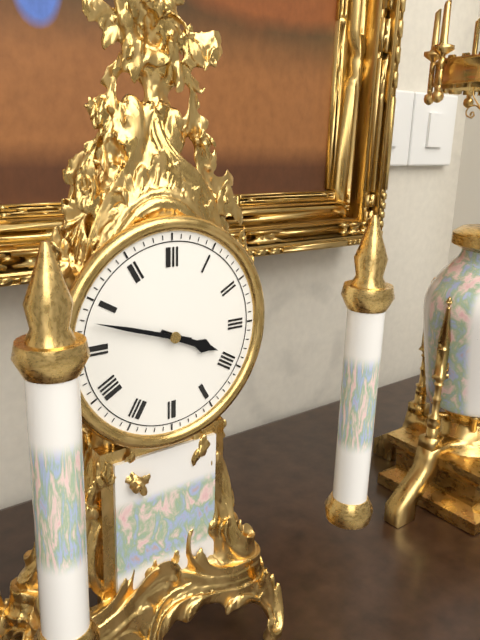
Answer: 3,48
